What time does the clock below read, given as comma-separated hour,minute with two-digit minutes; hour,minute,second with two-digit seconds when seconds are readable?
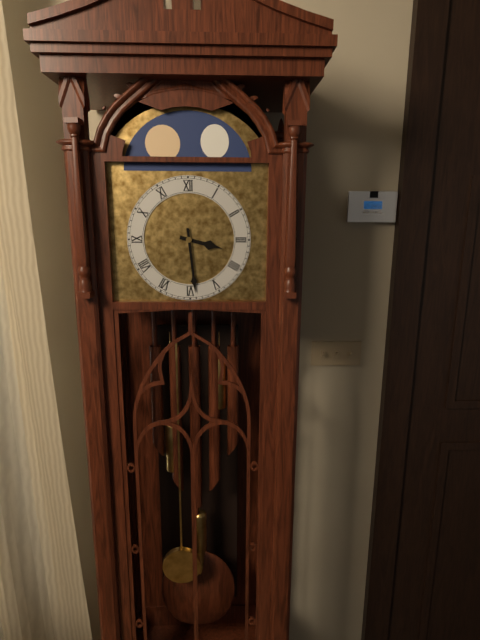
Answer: 3,29
